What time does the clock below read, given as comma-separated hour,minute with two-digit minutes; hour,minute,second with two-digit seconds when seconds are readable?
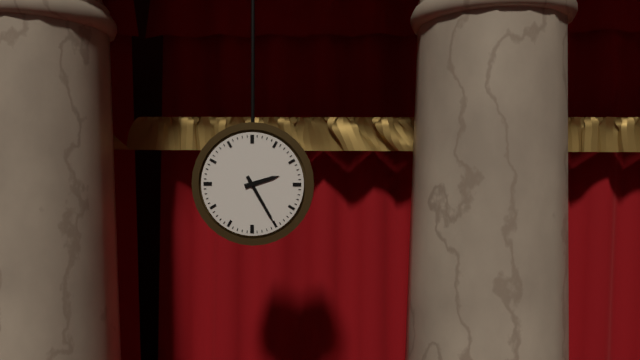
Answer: 2,25
